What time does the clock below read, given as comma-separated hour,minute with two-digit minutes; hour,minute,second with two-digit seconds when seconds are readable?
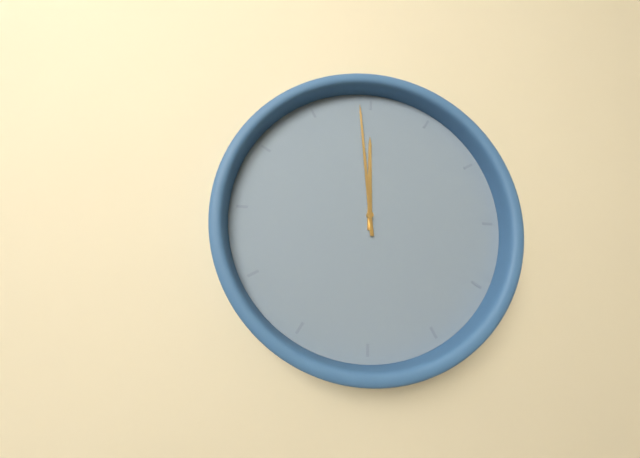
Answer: 11,59
